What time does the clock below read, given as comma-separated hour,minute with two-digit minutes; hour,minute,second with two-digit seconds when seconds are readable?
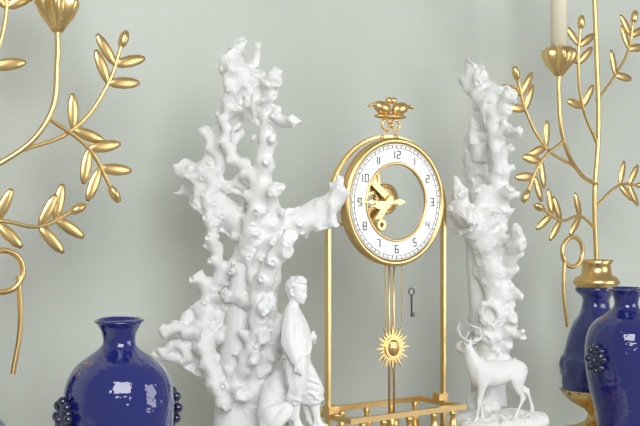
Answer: 8,45
